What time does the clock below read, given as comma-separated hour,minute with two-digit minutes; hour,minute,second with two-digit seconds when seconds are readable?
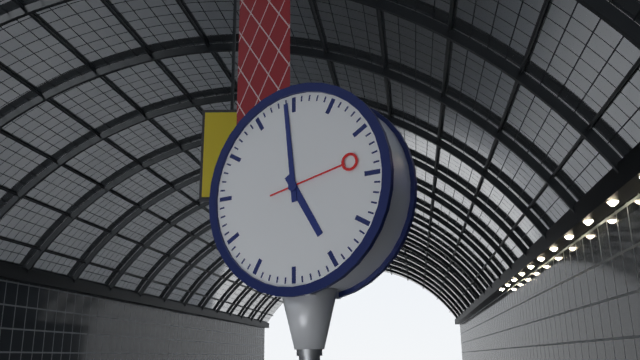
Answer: 4,59,13
